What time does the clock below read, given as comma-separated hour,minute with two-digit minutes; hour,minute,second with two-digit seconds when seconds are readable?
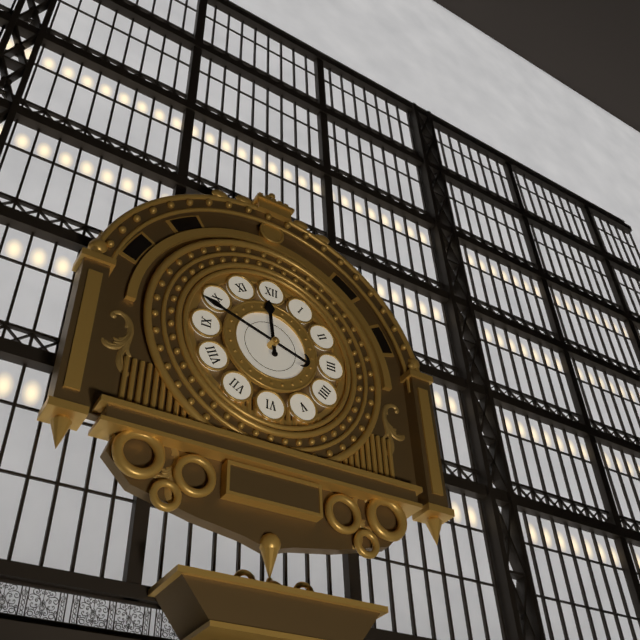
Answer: 11,48
